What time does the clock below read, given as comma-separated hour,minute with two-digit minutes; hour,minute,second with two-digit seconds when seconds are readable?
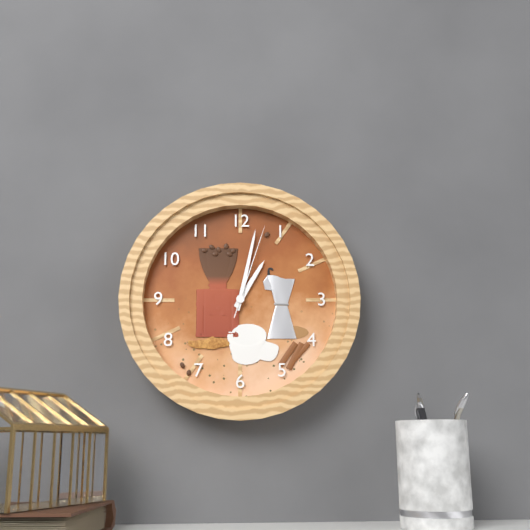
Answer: 1,02,03
